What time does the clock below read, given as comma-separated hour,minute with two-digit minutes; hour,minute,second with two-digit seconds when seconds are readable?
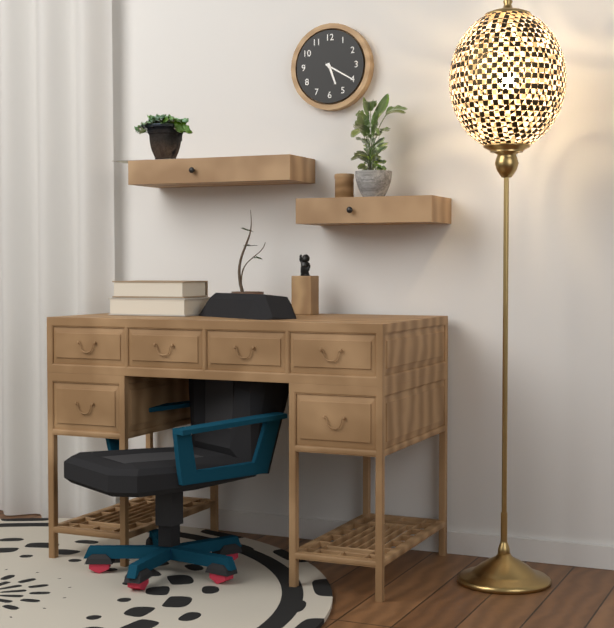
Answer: 5,20
